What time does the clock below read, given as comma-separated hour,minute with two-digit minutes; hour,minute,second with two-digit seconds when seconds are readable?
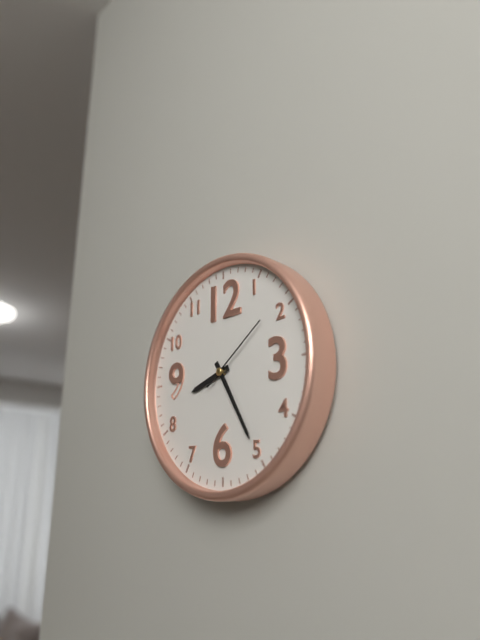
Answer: 8,25,09
